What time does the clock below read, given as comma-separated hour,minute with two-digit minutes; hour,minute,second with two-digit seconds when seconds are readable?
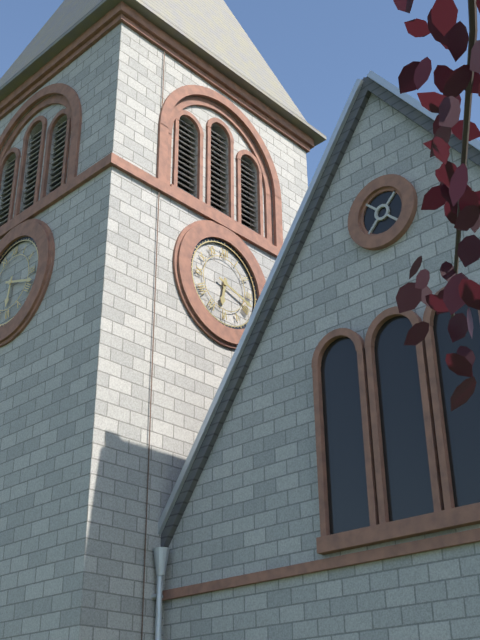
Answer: 6,18
